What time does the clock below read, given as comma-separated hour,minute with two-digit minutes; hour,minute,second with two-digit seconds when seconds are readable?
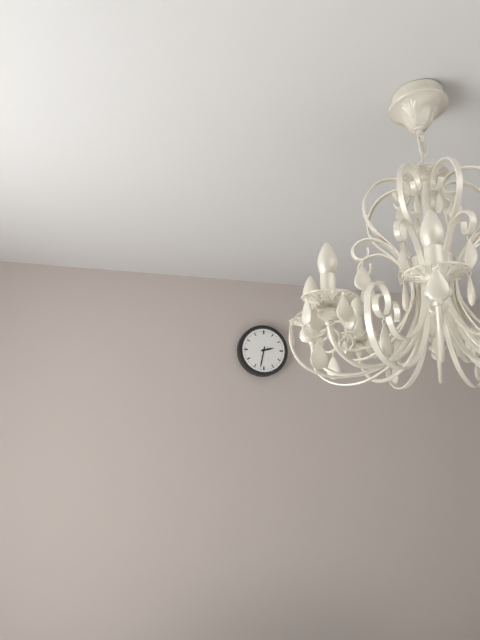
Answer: 2,32
